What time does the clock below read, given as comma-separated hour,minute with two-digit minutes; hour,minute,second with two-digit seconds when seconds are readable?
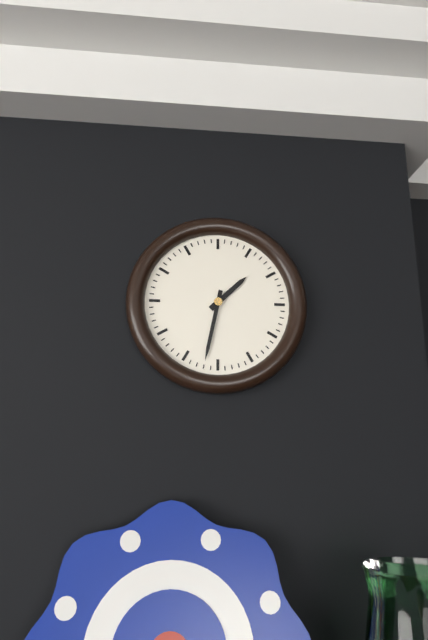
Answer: 1,32
